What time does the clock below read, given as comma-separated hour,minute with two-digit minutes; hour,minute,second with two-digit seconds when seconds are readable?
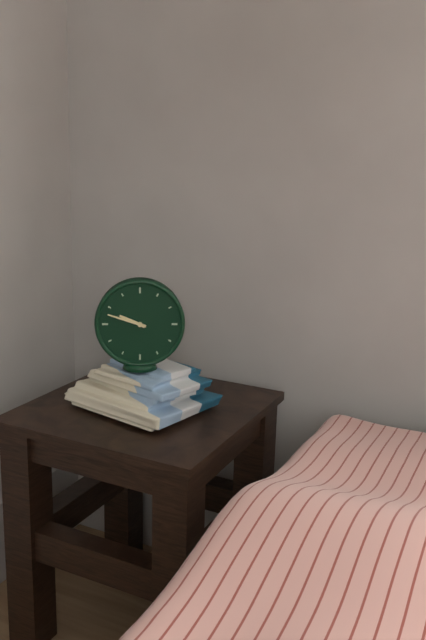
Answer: 9,48
